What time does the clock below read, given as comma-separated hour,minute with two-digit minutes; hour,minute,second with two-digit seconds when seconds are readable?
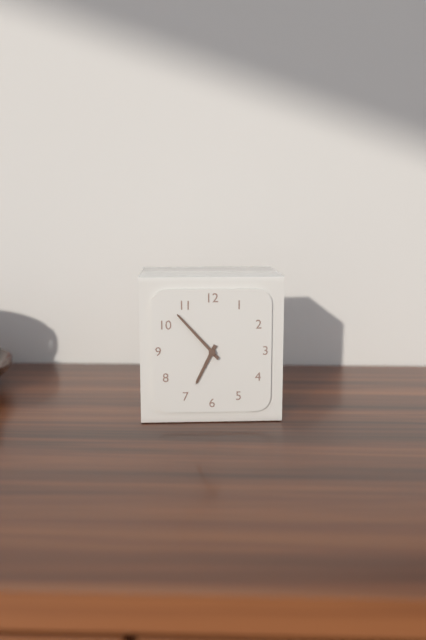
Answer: 6,53
